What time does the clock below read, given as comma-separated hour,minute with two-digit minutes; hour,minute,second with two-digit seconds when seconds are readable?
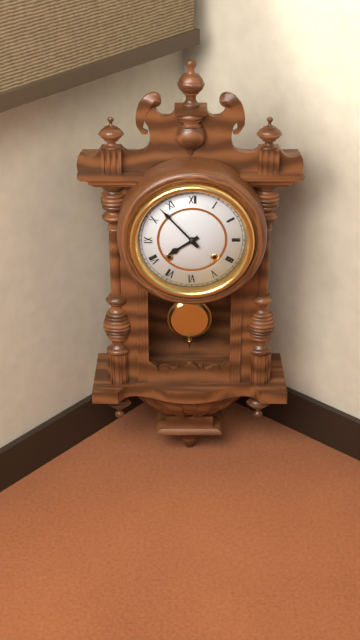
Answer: 7,53
